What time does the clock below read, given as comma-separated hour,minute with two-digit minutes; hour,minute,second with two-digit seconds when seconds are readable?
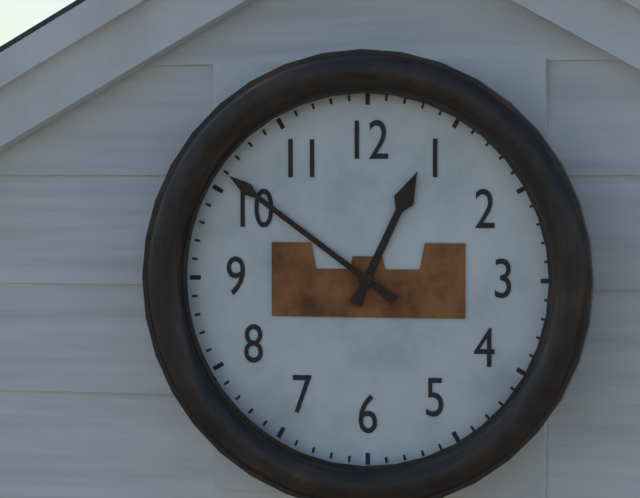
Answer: 12,51
